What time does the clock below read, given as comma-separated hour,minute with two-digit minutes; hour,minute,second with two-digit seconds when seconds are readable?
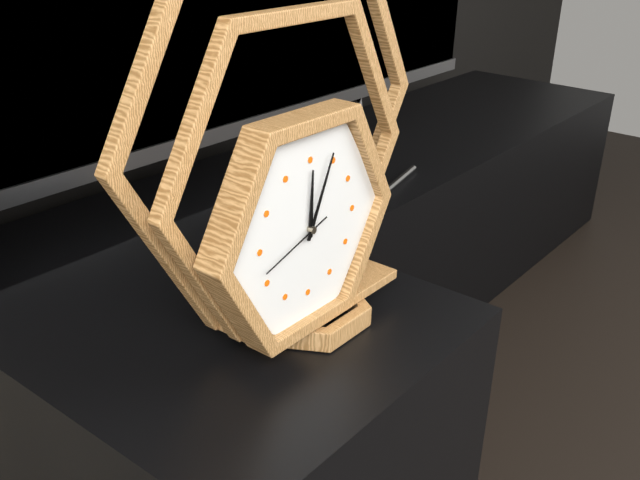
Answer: 12,04,42
